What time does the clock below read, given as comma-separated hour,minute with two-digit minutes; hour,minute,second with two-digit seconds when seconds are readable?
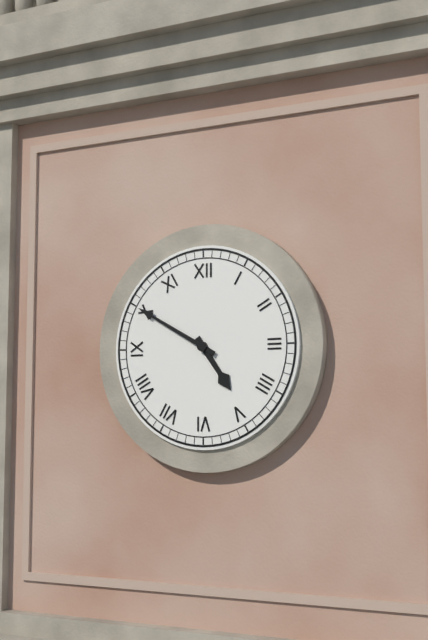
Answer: 4,50
